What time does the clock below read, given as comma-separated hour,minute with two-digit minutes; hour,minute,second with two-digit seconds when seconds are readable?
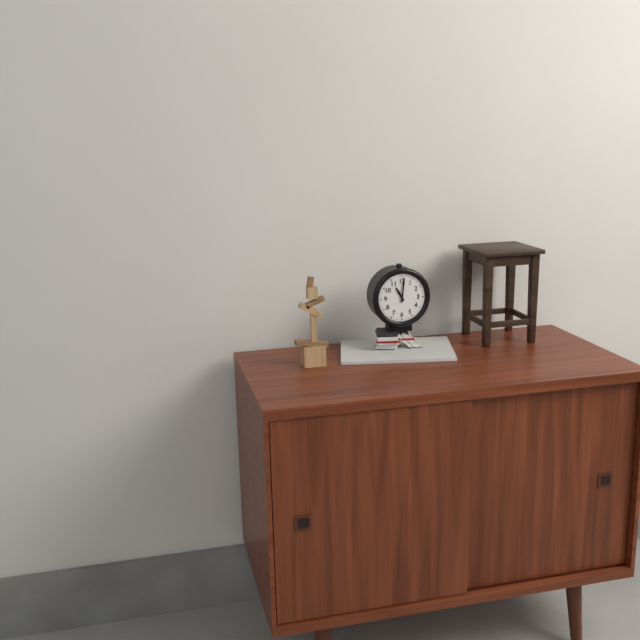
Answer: 11,01
